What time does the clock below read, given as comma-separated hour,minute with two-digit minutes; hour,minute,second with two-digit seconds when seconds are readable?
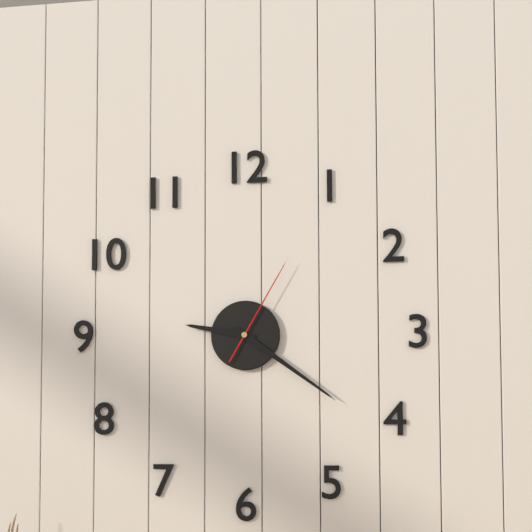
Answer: 9,21,05
